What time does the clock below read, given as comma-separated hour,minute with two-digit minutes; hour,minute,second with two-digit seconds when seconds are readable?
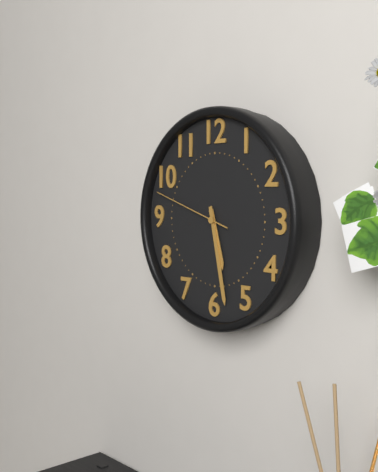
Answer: 5,28,48
